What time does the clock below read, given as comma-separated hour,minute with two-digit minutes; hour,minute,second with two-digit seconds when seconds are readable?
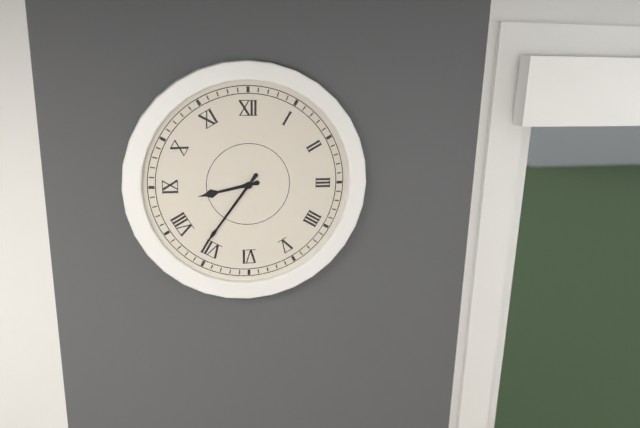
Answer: 8,36
